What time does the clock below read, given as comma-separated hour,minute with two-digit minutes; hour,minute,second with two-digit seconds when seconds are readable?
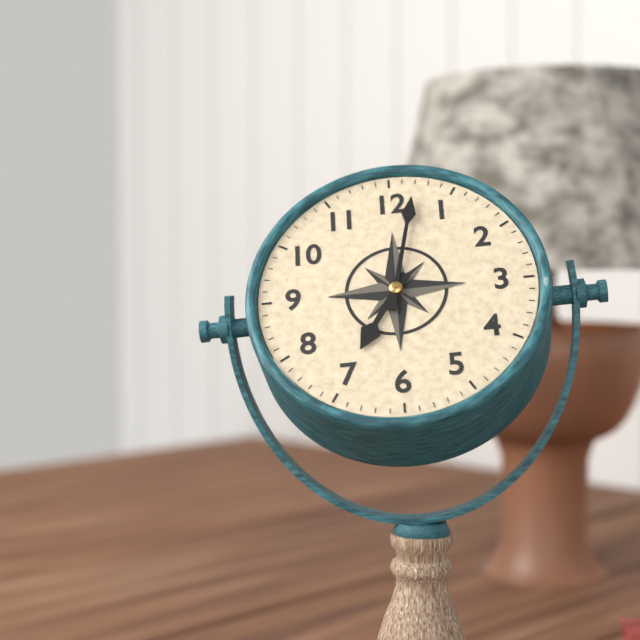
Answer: 7,02
